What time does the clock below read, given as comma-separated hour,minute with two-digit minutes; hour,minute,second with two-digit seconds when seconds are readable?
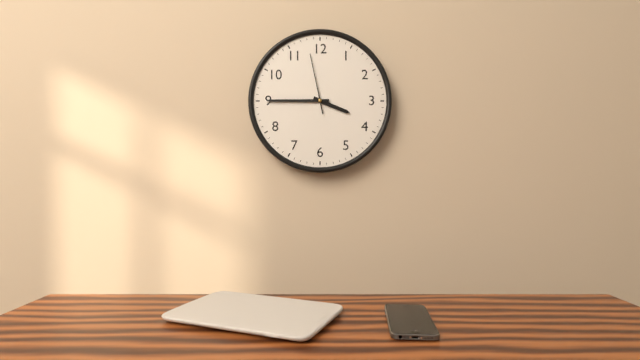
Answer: 3,45,58
